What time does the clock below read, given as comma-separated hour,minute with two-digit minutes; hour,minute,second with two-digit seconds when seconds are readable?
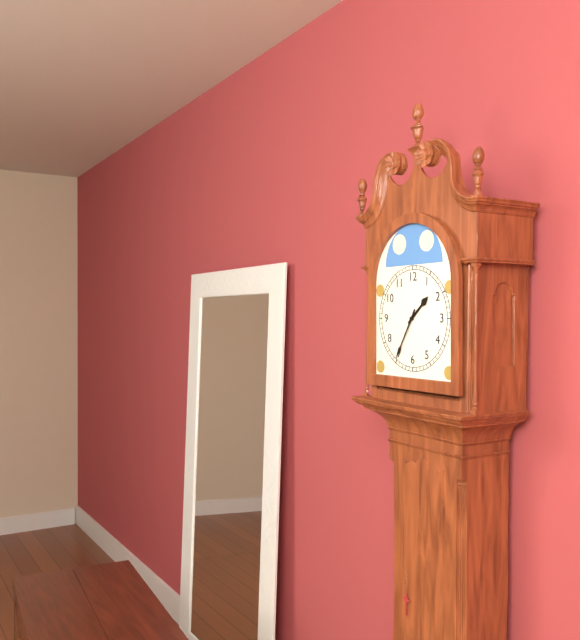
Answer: 1,35
